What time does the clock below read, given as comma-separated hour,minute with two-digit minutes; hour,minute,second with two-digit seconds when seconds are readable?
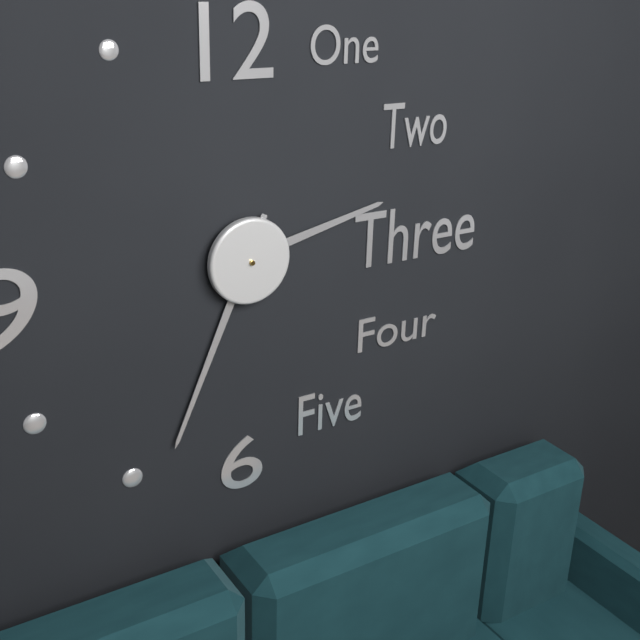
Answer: 2,34
